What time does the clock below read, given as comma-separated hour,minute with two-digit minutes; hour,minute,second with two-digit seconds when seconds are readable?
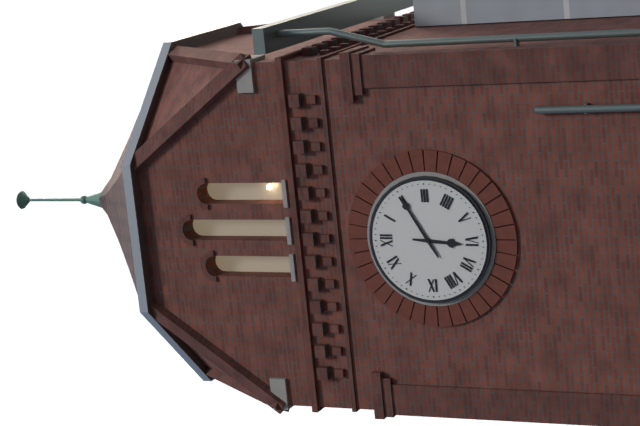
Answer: 6,10
